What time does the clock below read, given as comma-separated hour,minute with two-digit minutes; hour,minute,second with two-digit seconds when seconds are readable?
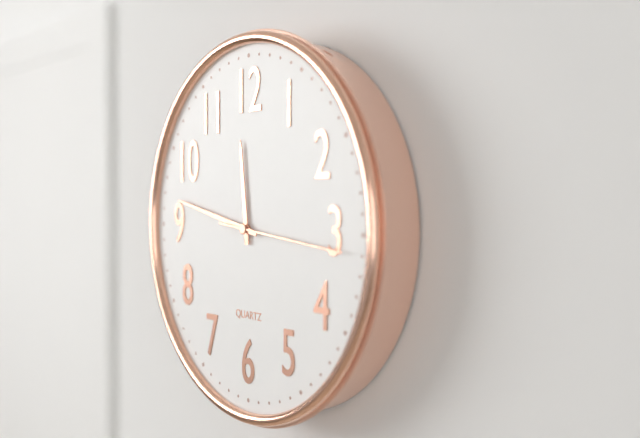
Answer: 11,47,16
